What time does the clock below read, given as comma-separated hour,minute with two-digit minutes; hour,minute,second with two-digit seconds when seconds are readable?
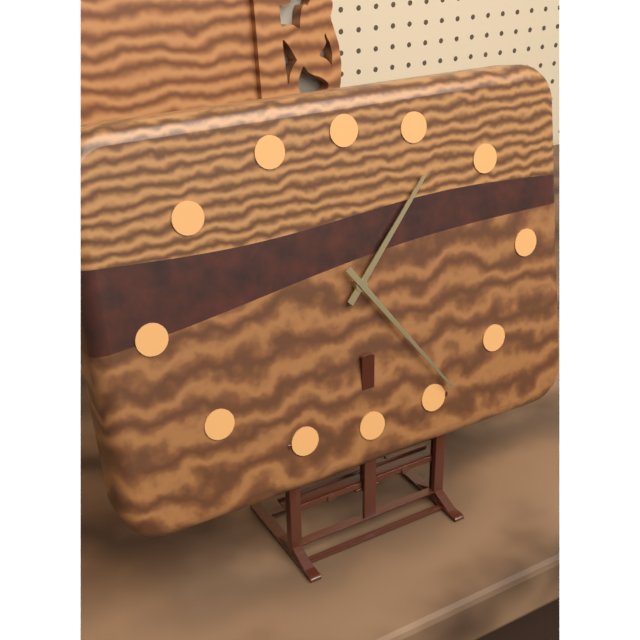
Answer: 1,24
